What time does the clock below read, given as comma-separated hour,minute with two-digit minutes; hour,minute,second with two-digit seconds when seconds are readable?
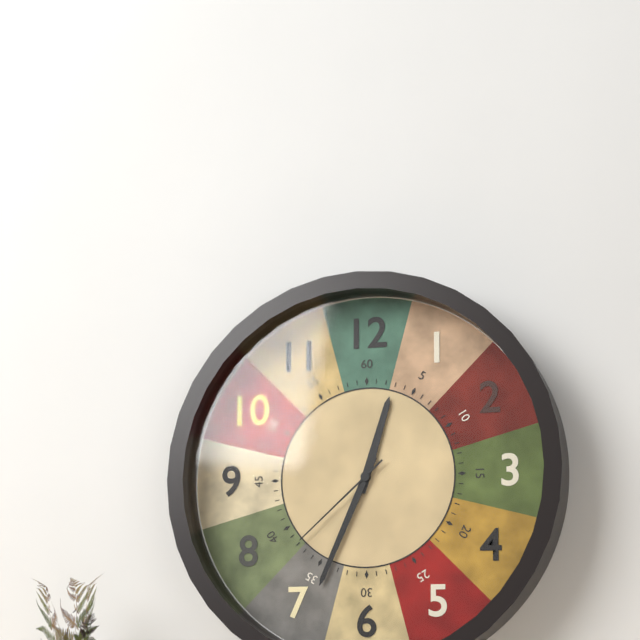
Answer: 12,34,38
